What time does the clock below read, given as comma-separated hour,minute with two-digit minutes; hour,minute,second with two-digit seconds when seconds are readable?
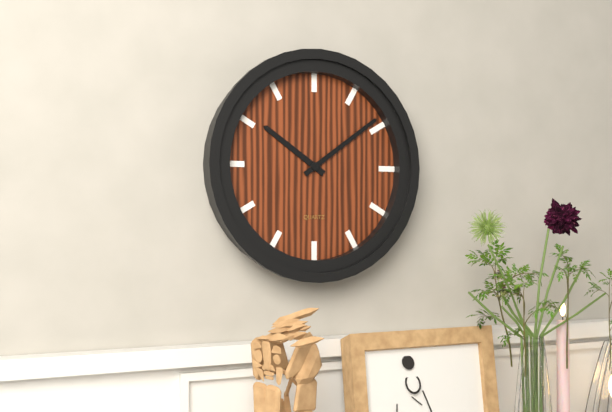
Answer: 10,09
